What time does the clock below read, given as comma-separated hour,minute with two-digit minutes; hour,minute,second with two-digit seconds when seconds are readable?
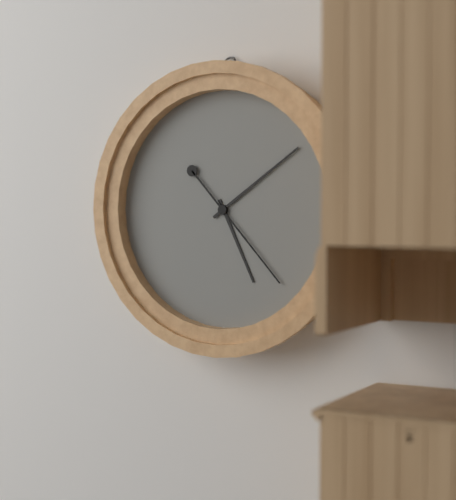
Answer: 5,09,23
